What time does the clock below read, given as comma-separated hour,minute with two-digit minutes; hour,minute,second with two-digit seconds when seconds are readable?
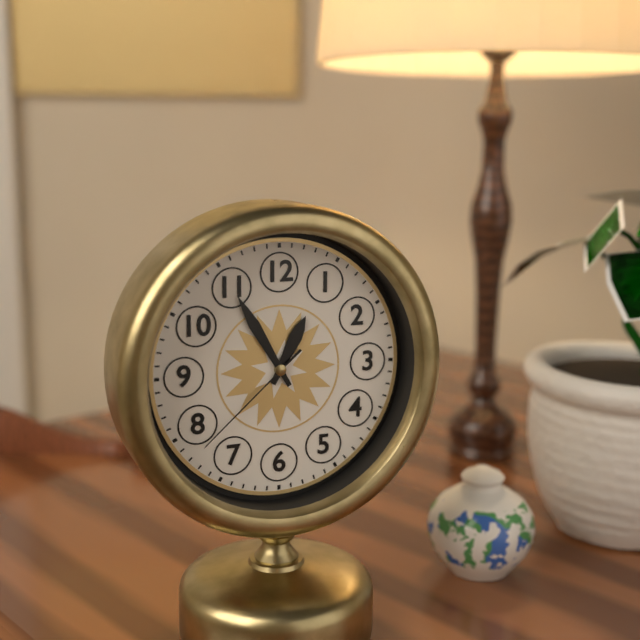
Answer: 12,55,38
